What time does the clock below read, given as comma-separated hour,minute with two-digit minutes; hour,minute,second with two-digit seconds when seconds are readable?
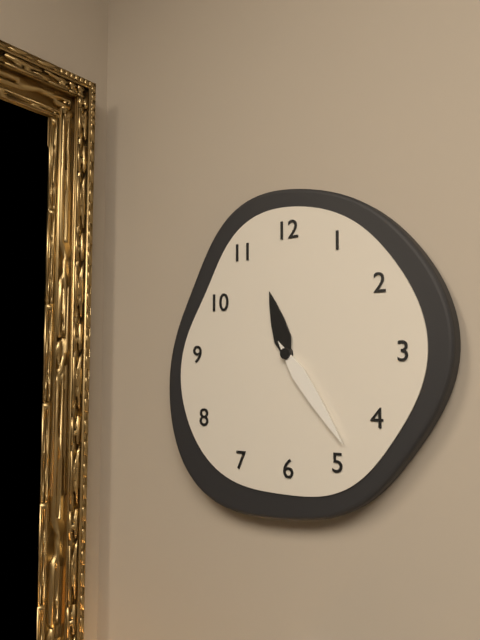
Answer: 11,24
